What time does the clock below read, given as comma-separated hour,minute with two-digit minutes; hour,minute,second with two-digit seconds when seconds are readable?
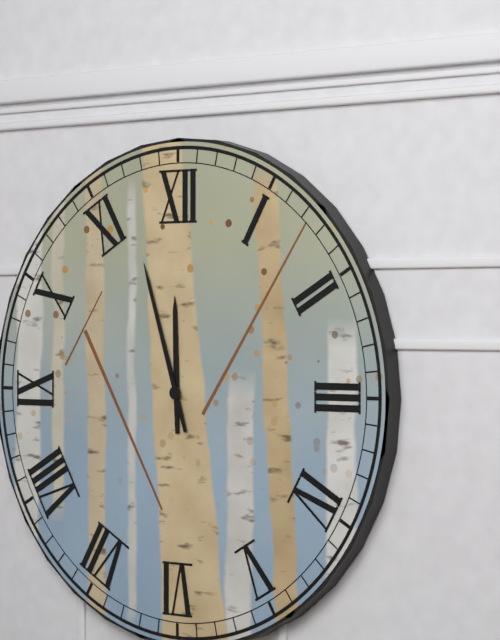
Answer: 11,57
